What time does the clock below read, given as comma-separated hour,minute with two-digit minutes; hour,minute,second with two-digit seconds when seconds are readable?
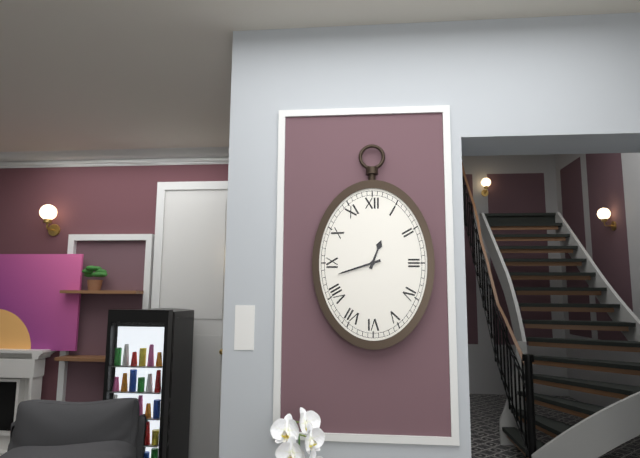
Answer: 12,42
